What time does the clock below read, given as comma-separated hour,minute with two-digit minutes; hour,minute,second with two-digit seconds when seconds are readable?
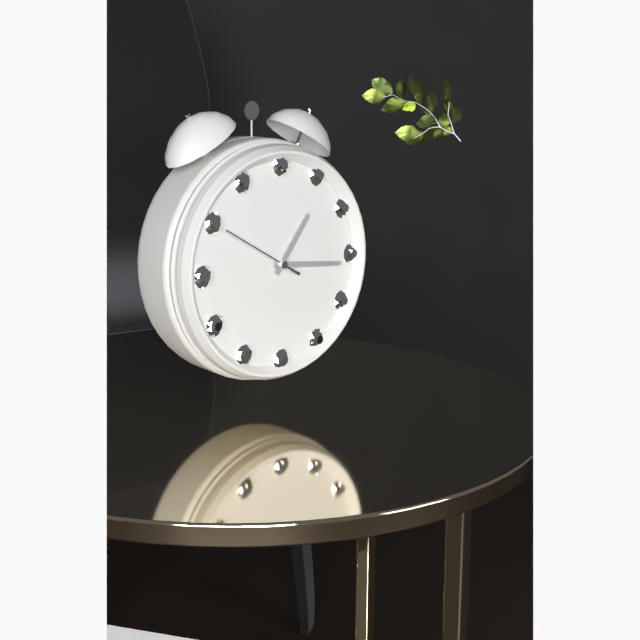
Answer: 1,16,50
